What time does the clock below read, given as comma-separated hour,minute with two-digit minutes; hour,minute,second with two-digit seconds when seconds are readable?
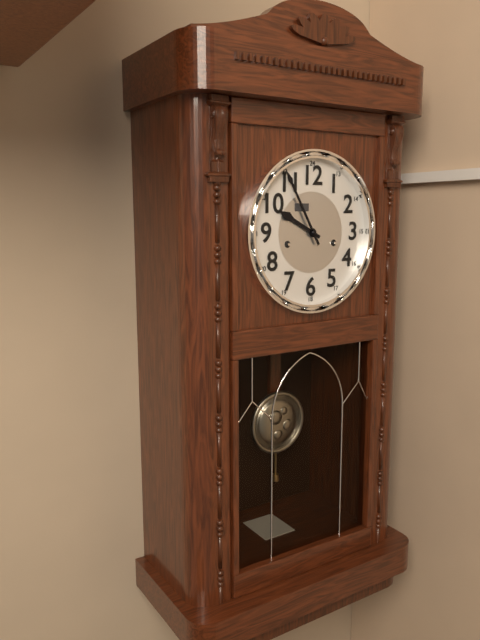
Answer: 9,55
